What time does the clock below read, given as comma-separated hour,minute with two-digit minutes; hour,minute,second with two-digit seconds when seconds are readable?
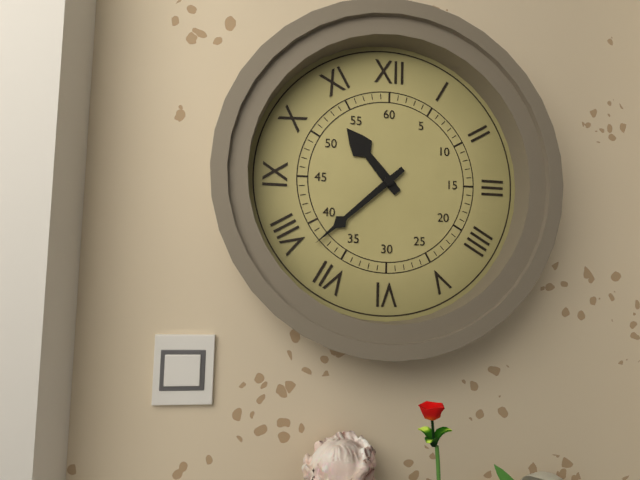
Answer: 10,38
